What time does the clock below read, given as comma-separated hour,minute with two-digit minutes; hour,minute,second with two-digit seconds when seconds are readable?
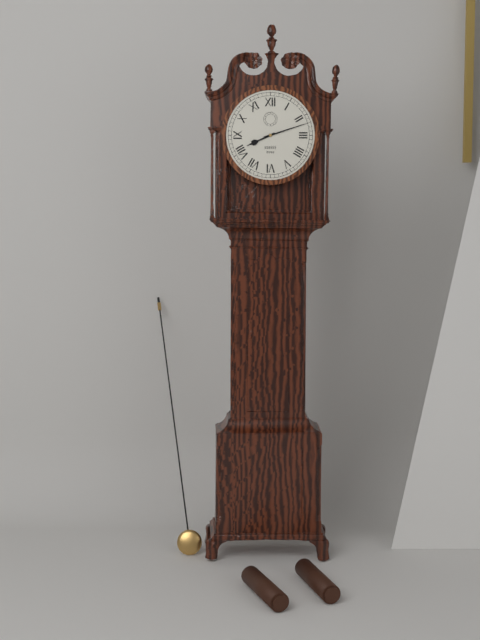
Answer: 8,12
